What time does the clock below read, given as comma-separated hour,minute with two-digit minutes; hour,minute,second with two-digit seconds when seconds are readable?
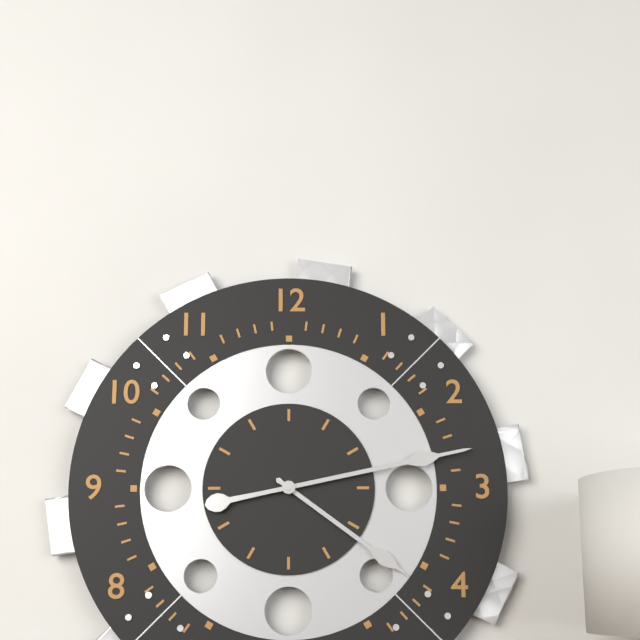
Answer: 4,13
